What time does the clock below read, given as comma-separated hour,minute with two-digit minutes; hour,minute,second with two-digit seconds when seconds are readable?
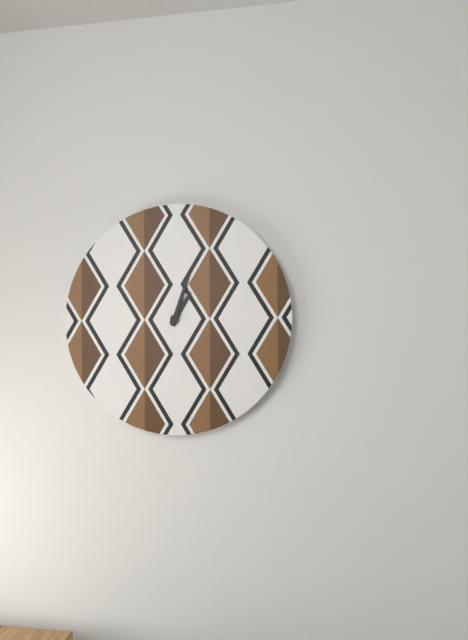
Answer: 1,03
